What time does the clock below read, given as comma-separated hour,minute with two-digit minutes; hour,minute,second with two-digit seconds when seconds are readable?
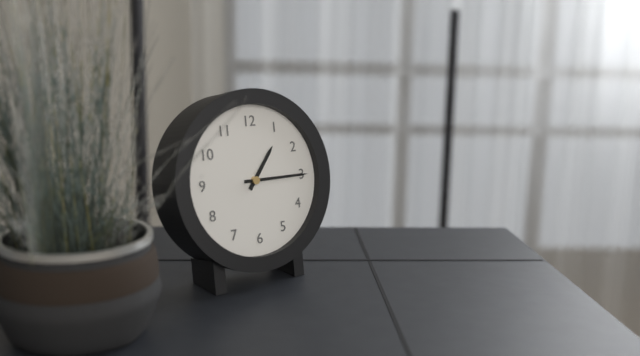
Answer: 1,15
